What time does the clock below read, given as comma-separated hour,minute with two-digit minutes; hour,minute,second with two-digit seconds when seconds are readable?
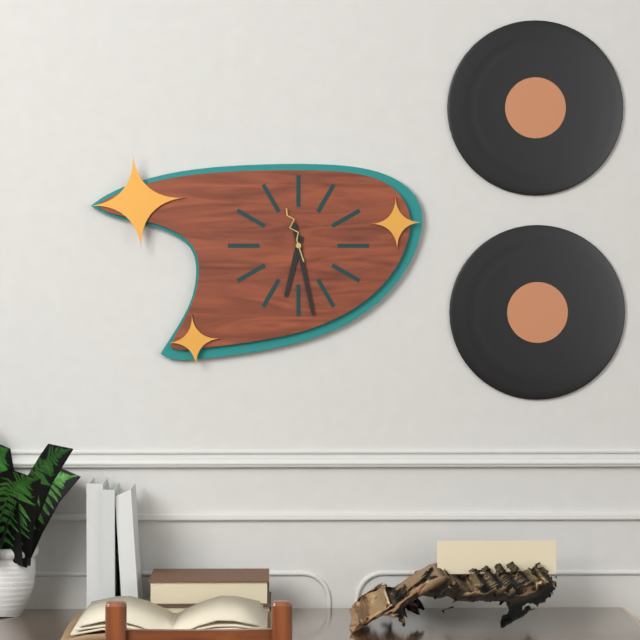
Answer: 6,28
